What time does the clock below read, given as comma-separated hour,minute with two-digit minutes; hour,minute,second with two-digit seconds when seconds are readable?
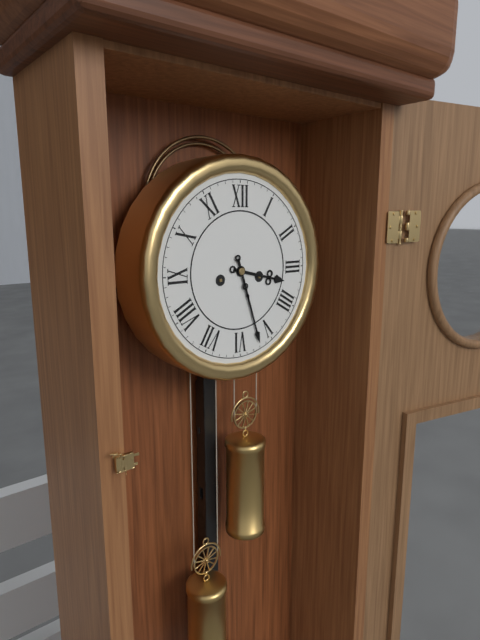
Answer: 3,27
